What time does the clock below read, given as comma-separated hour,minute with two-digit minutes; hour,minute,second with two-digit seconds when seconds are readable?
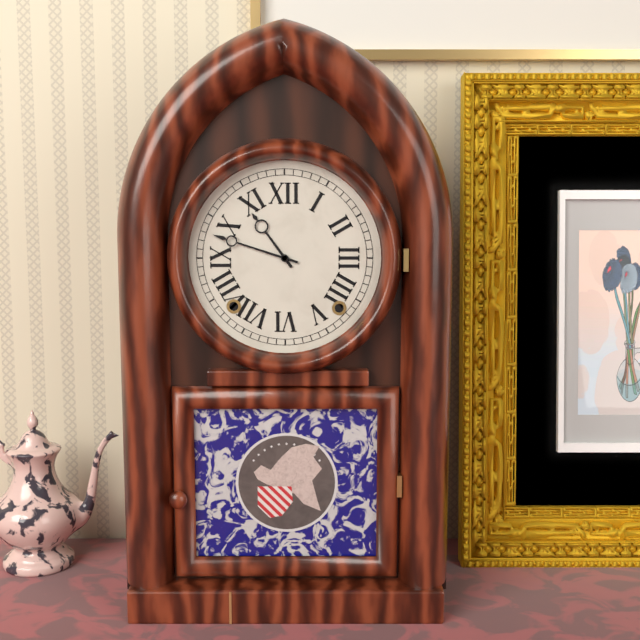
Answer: 10,48
